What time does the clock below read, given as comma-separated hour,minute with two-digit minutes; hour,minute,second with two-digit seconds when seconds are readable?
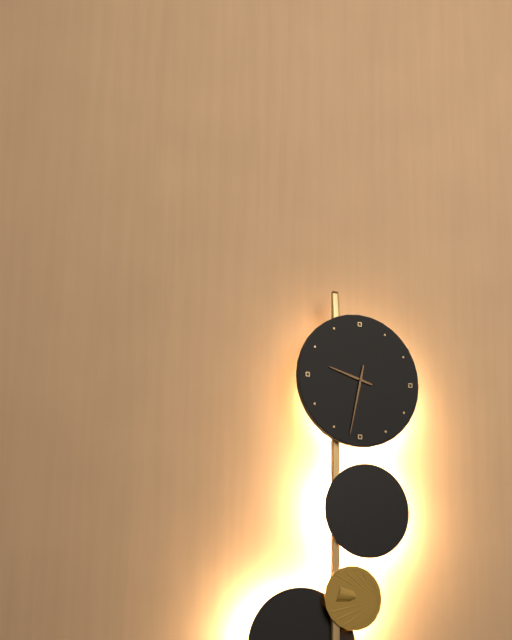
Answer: 9,32
